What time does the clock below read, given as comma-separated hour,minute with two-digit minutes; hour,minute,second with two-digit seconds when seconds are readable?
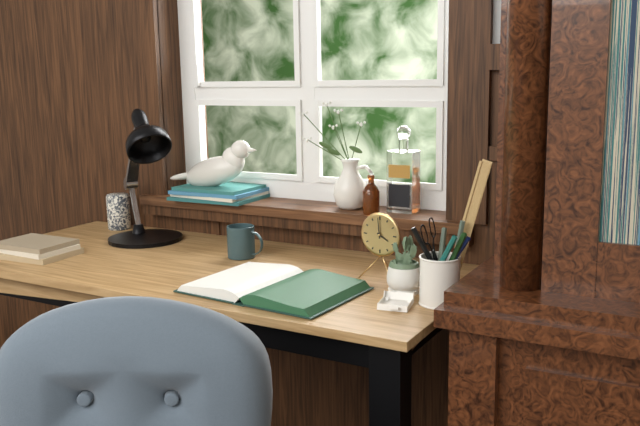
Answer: 3,59
